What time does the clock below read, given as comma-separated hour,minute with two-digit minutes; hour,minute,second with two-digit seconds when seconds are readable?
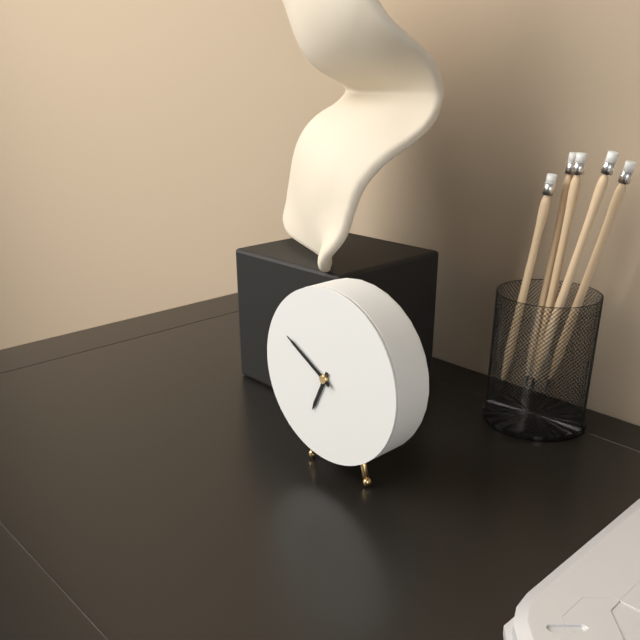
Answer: 6,50
